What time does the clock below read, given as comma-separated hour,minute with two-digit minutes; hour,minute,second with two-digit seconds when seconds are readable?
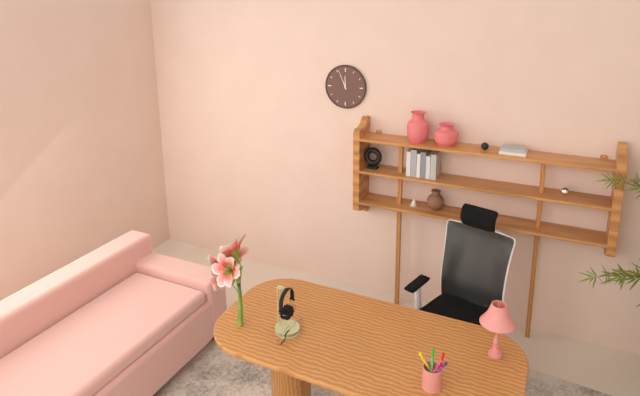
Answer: 11,56
